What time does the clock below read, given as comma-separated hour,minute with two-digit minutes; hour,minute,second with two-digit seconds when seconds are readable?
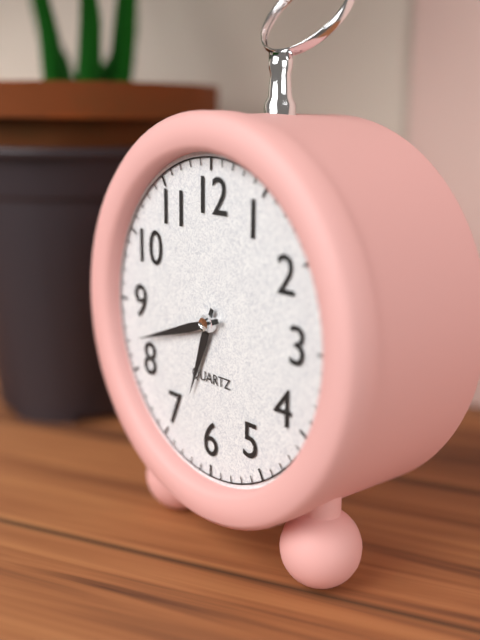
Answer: 6,42
